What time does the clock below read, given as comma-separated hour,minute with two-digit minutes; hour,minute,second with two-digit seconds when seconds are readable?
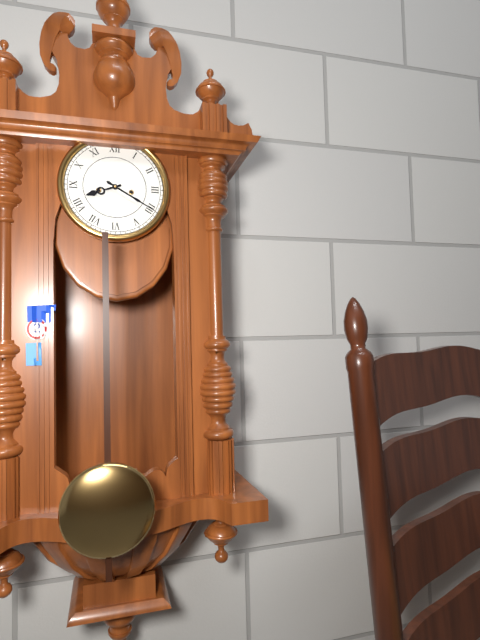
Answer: 8,20
